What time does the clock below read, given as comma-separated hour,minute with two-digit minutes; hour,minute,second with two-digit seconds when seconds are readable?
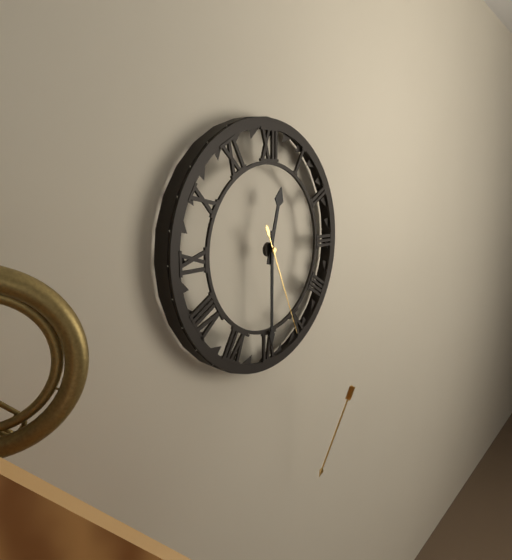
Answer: 12,30,26
